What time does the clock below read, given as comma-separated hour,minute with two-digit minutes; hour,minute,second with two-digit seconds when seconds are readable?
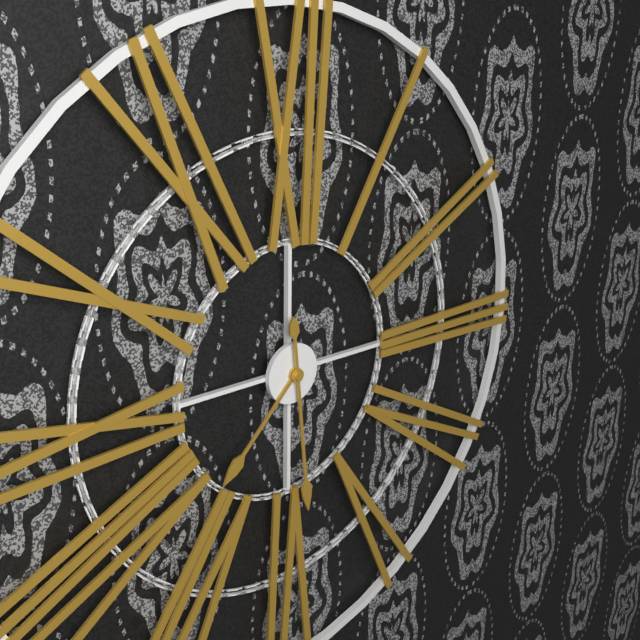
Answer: 7,29
